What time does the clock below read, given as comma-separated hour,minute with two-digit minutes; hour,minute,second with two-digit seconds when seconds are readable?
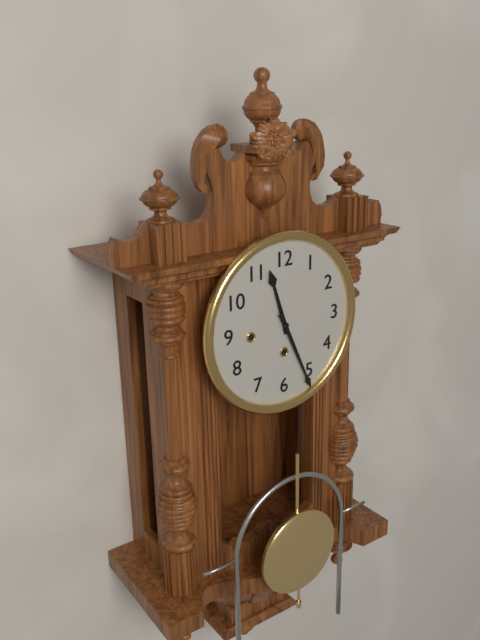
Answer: 11,26
